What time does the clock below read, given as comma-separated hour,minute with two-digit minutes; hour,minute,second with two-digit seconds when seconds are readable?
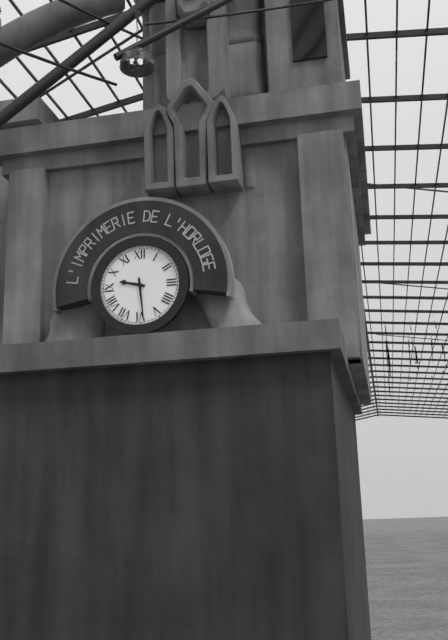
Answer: 9,29
